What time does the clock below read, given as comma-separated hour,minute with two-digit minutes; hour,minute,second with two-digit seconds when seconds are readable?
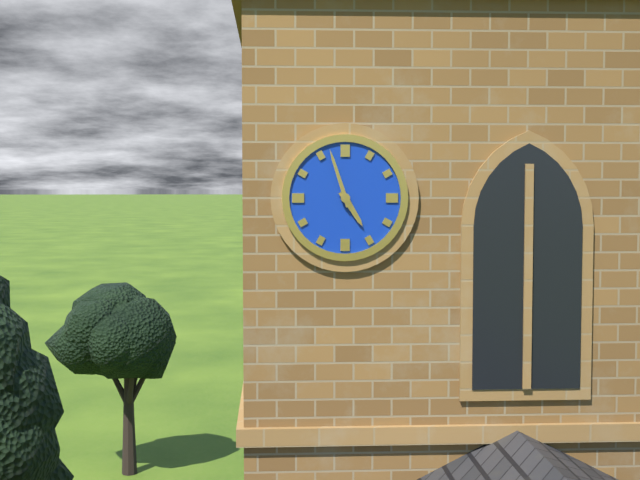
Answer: 4,57
